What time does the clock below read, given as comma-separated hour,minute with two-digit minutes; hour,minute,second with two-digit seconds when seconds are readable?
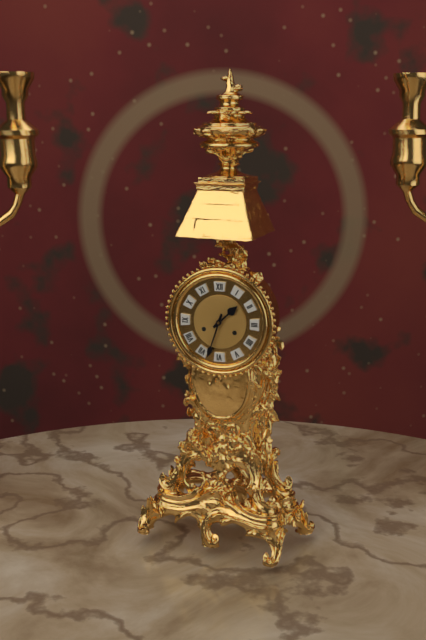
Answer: 1,33
